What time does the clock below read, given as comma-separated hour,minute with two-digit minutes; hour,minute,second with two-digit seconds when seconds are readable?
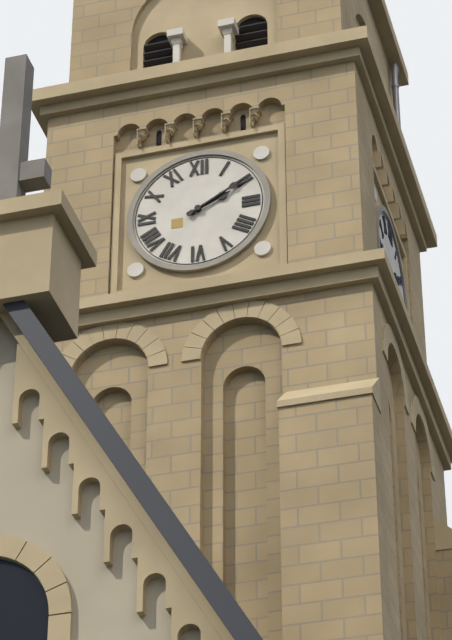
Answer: 2,10
